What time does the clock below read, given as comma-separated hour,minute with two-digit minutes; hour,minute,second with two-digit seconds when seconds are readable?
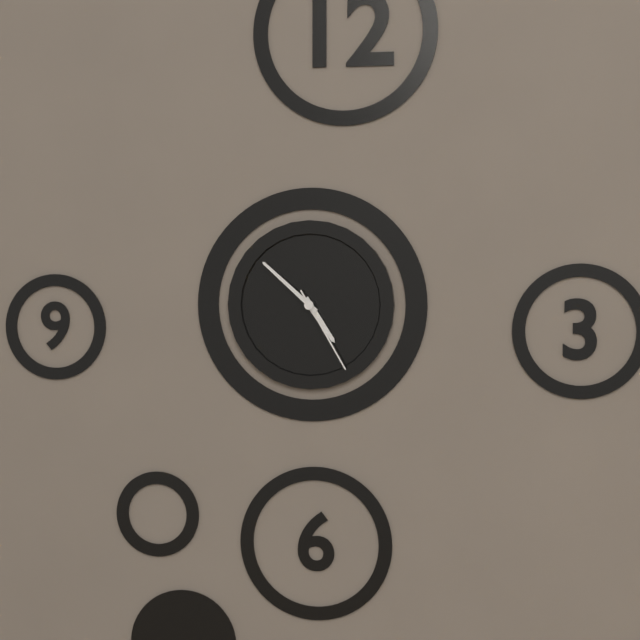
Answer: 4,52,25
